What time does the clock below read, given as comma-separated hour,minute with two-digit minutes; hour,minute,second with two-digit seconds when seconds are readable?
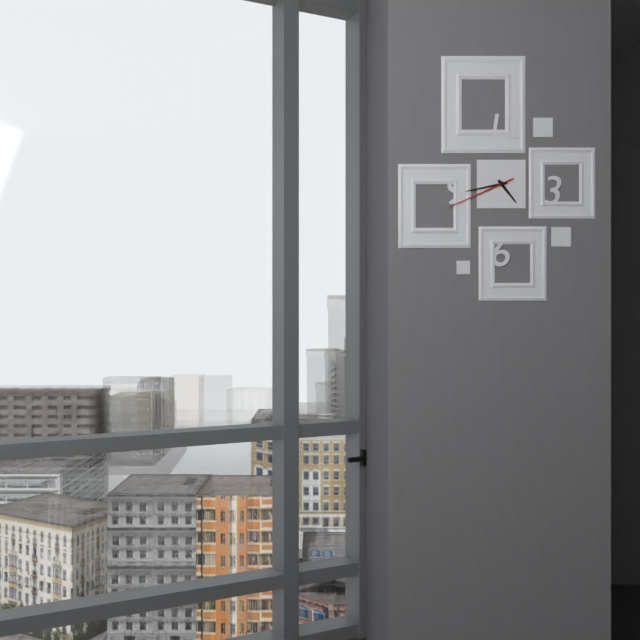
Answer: 4,43,41
